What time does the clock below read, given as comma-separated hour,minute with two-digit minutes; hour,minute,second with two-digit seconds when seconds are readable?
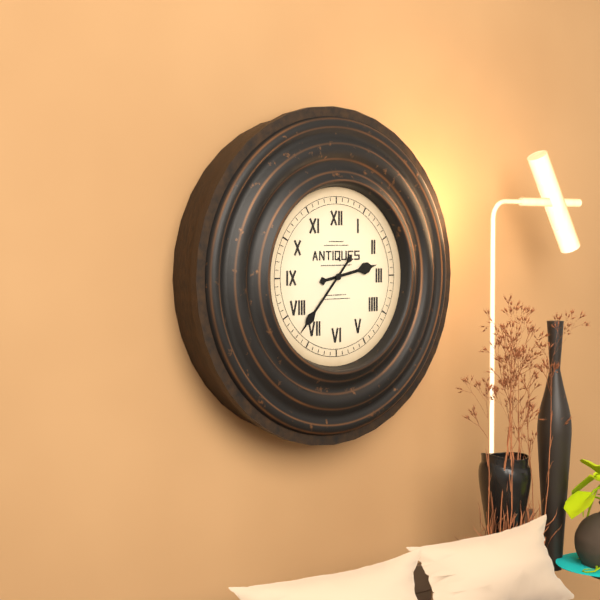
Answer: 2,37
